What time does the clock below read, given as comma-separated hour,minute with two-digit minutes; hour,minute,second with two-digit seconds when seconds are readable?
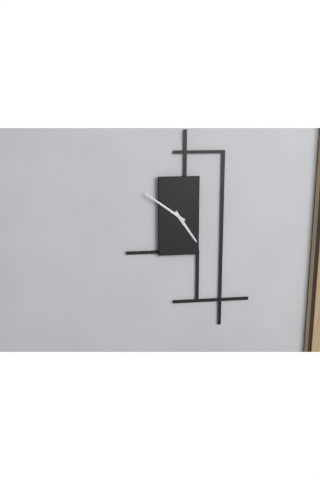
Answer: 4,51
